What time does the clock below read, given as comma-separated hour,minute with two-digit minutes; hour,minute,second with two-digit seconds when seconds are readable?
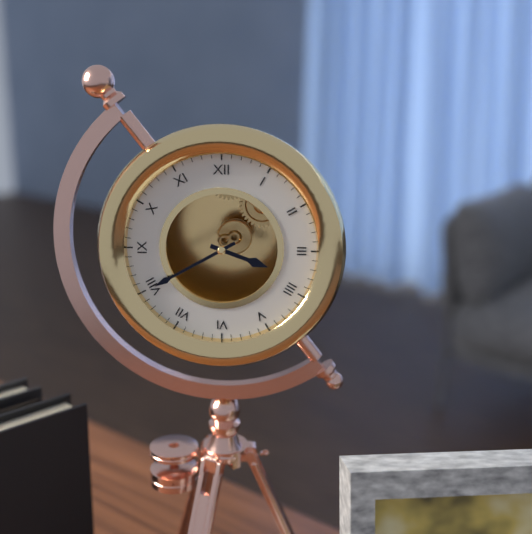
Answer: 3,40
